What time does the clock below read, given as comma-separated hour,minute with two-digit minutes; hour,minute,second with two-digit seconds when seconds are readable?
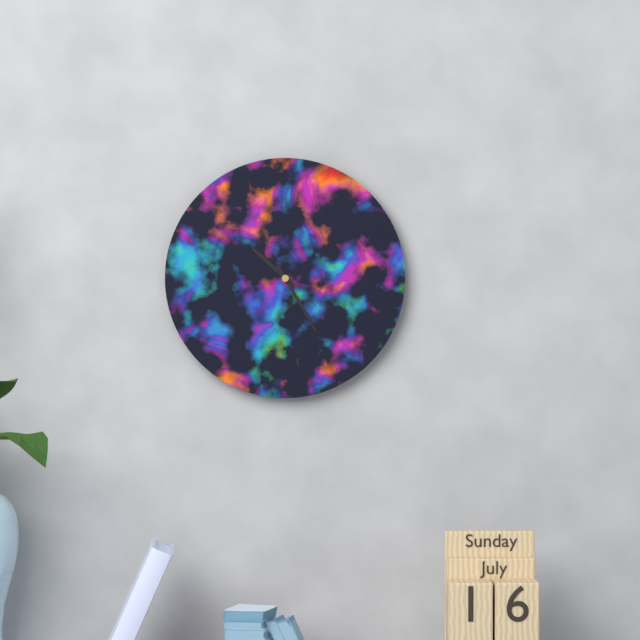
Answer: 10,25
